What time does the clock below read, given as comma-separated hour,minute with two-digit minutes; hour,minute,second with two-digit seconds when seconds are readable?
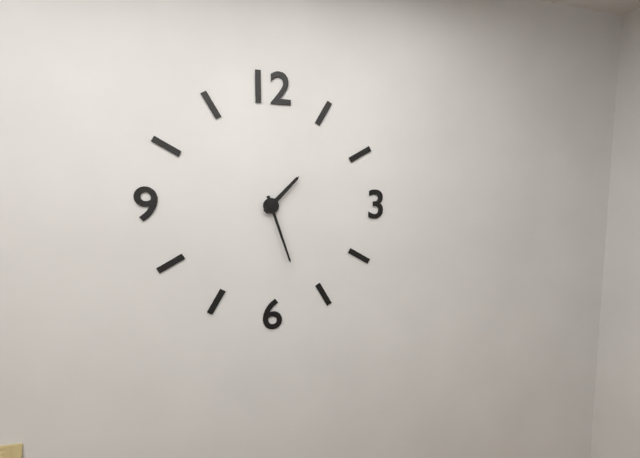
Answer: 1,27
